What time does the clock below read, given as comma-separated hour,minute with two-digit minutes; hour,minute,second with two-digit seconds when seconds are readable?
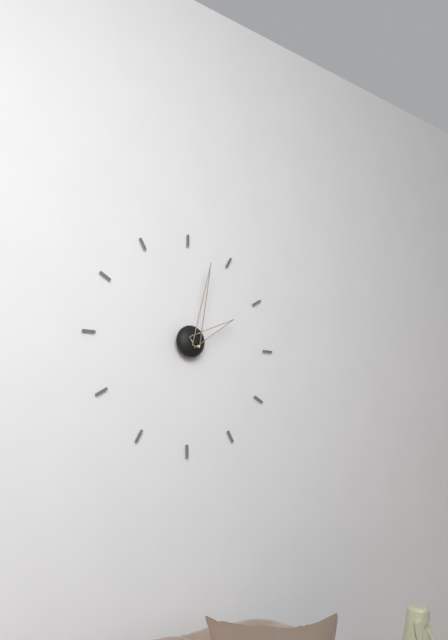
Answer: 2,02
